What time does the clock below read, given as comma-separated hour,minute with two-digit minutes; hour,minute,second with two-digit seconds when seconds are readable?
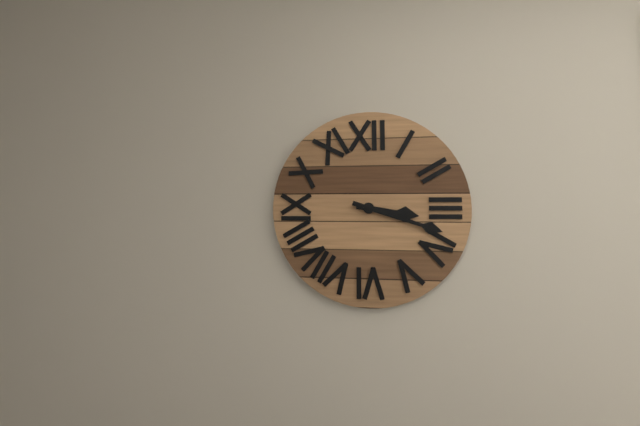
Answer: 3,18
